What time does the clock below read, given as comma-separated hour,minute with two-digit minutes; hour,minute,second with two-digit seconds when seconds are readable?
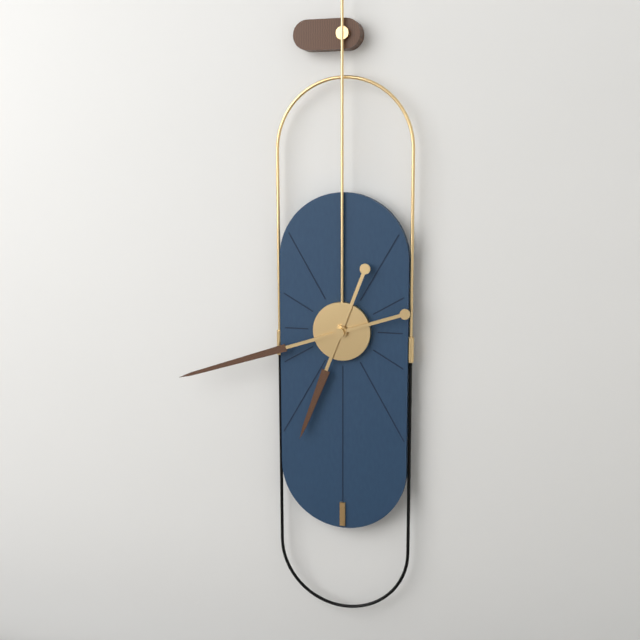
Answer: 6,42
